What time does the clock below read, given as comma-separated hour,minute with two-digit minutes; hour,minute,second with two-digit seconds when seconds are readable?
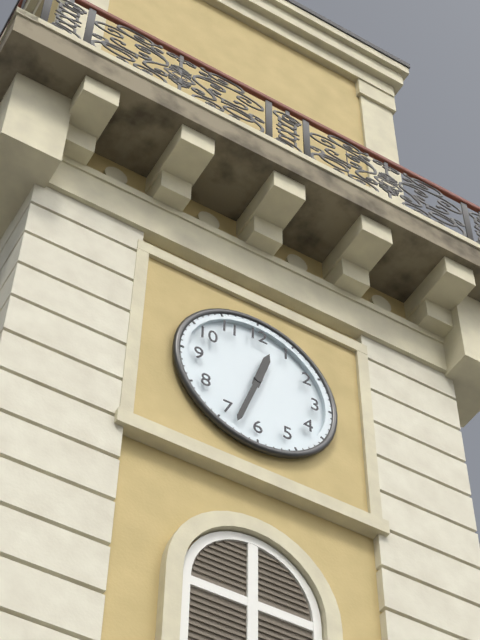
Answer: 12,33
